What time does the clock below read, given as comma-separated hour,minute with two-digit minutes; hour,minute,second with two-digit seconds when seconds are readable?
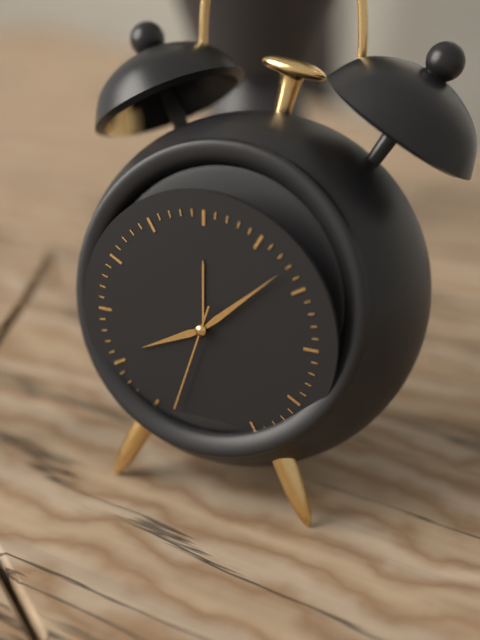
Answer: 8,08,33
